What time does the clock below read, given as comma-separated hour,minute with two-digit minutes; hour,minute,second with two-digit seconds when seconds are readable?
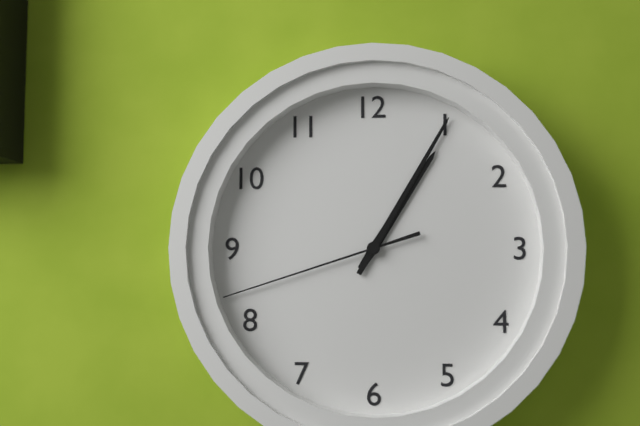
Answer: 1,05,42
